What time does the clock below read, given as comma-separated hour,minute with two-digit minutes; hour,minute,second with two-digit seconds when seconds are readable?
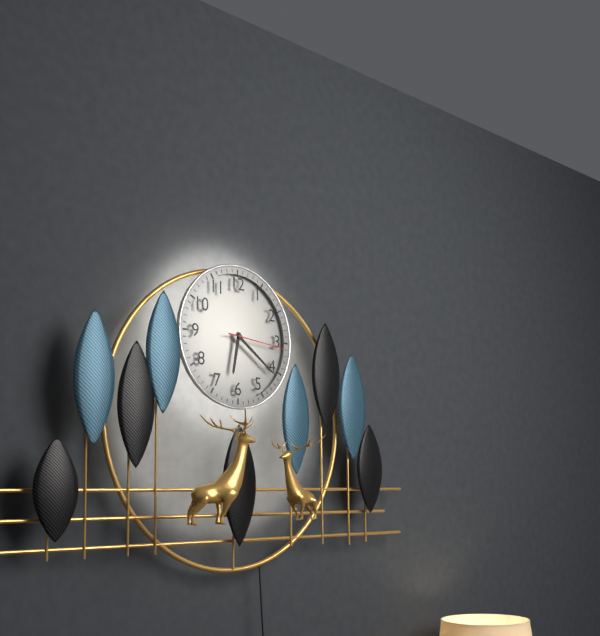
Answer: 6,21,16
